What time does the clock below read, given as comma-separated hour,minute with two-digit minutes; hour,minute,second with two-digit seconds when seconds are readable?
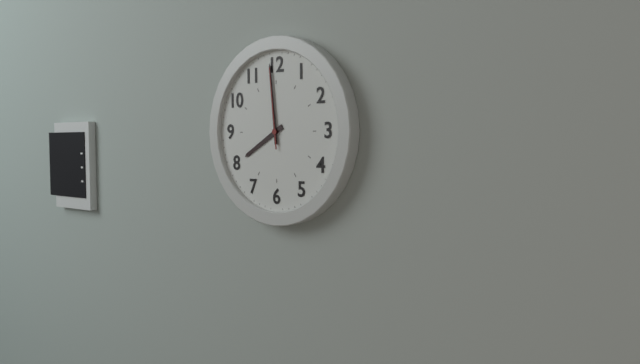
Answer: 7,59,59
